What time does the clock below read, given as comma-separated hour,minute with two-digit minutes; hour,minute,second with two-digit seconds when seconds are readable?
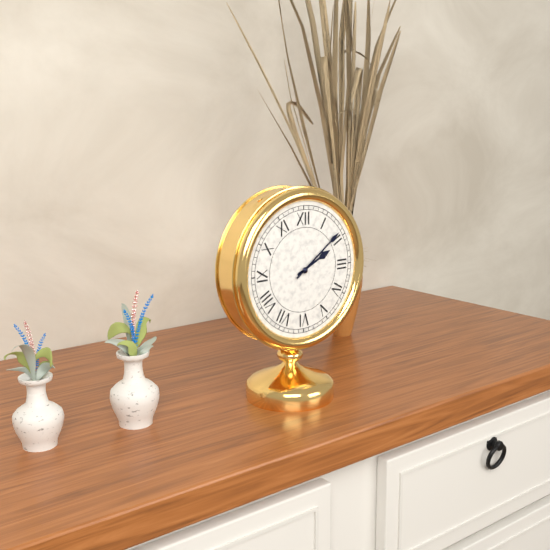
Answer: 2,09
